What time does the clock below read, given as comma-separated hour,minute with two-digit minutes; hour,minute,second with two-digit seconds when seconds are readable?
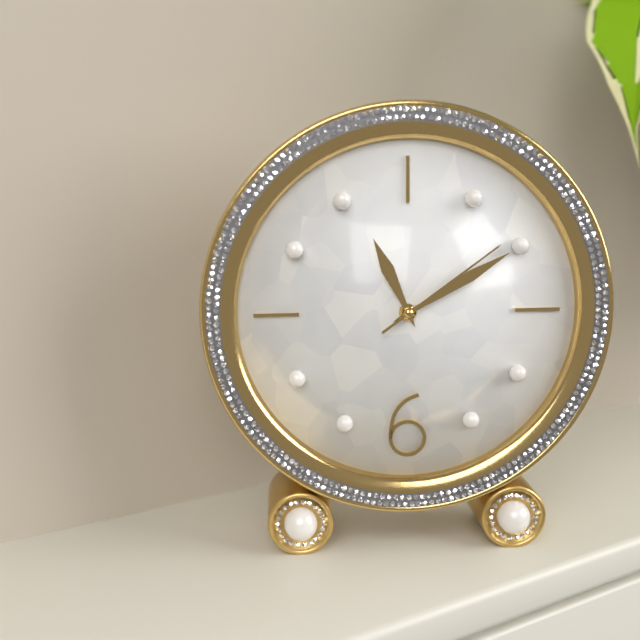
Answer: 11,10,09
